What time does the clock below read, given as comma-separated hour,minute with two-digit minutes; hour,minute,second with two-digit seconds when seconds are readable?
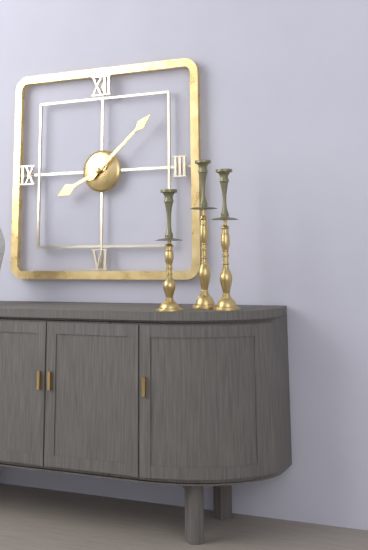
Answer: 8,08
